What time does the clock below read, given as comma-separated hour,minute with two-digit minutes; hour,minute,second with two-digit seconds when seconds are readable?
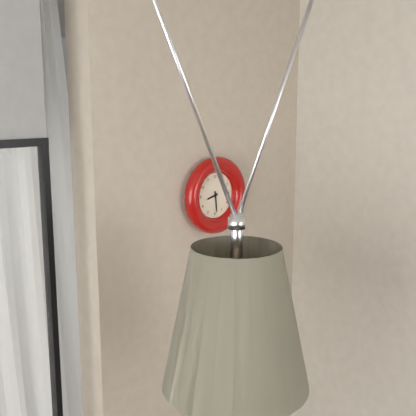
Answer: 8,29
